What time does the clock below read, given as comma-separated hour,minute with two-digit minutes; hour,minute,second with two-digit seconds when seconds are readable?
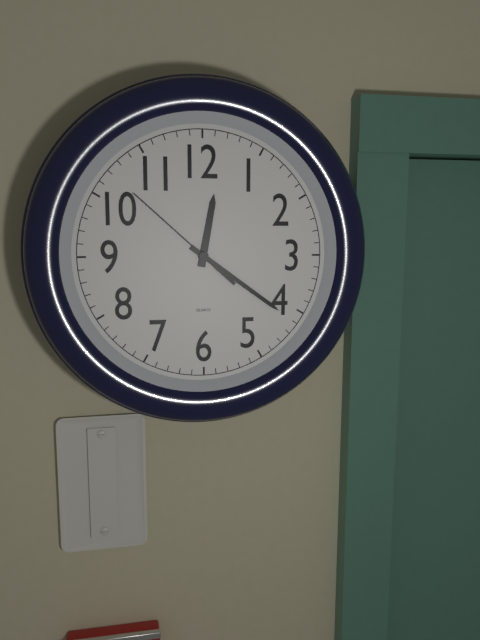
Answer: 12,21,52
